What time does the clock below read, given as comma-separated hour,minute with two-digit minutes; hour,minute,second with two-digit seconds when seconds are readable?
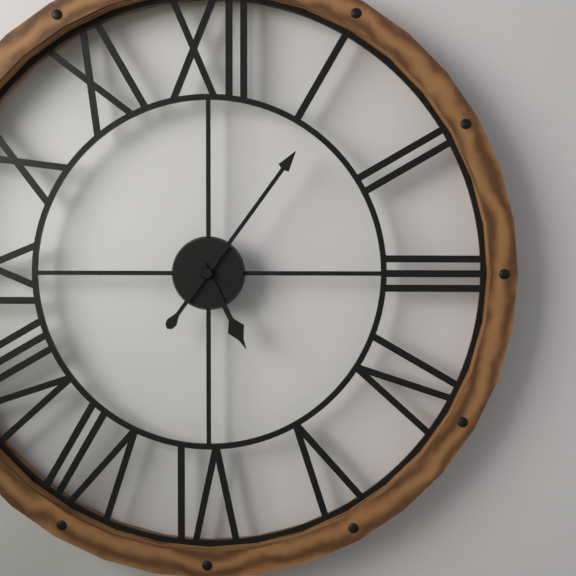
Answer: 5,06
